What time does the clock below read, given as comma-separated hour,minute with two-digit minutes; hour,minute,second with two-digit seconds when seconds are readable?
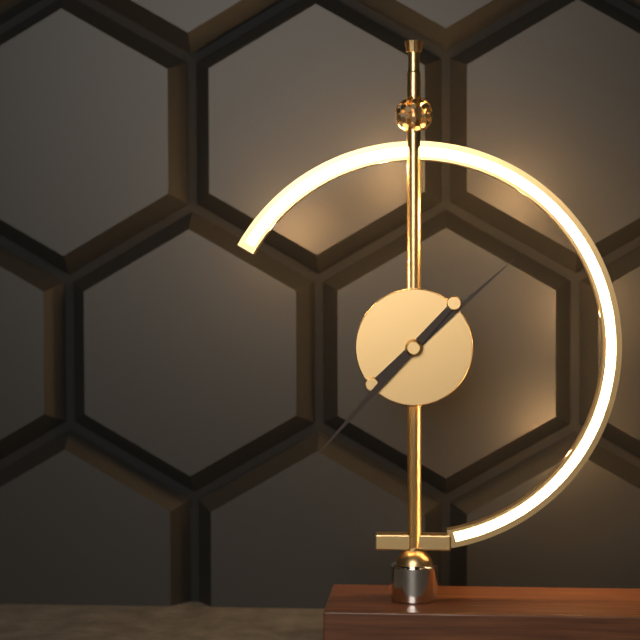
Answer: 1,37
